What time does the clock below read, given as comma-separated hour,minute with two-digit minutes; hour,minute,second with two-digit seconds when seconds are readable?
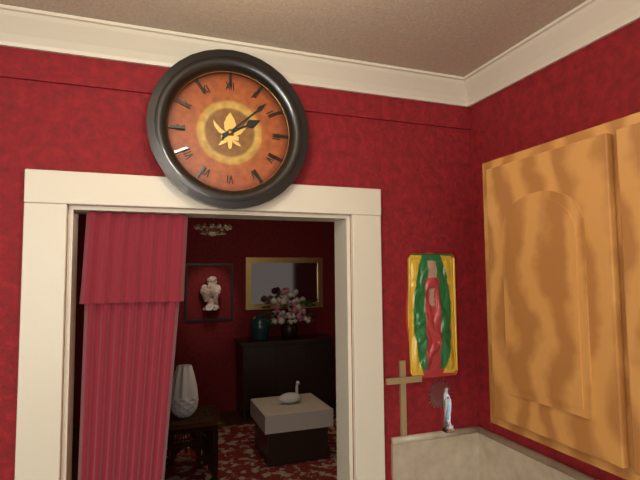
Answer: 2,08
